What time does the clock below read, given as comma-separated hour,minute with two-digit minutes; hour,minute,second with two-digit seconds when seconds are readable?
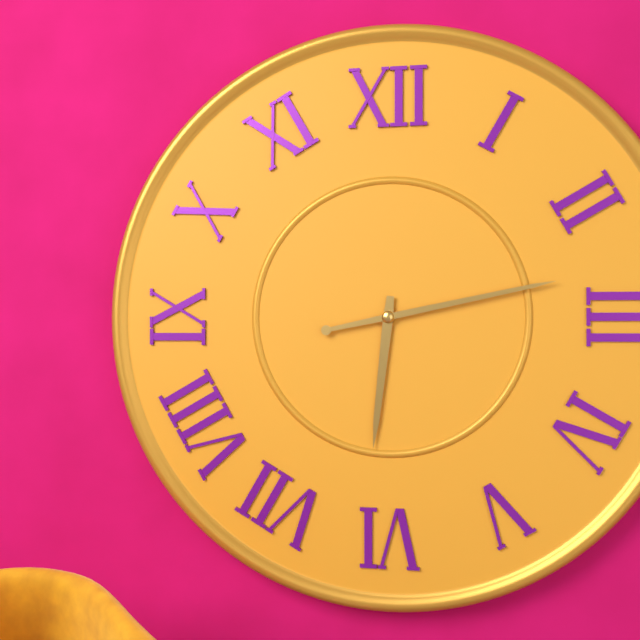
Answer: 6,13
